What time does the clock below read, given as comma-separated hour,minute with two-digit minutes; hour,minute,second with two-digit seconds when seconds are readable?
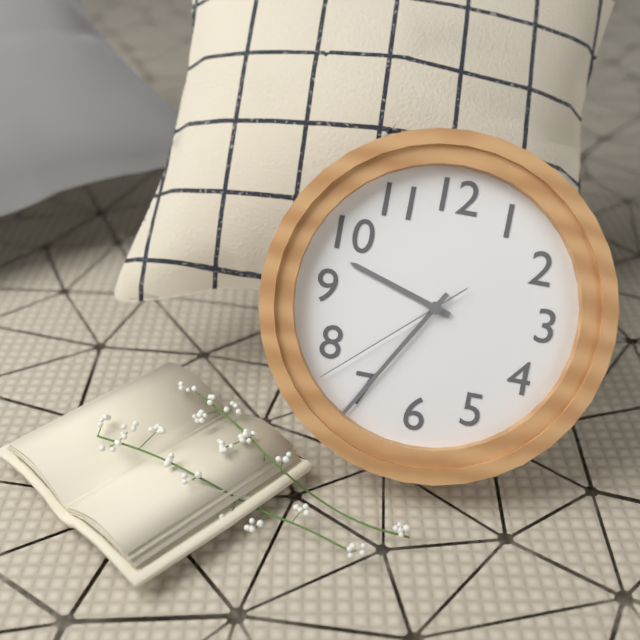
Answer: 9,35,38
